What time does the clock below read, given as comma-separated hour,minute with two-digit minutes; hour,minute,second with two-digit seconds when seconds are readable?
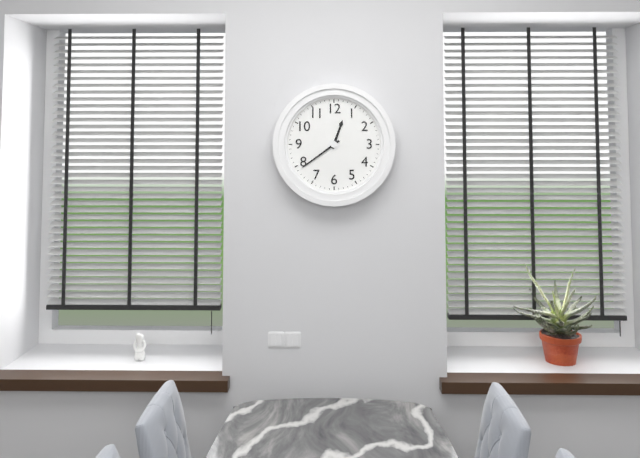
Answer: 12,39
